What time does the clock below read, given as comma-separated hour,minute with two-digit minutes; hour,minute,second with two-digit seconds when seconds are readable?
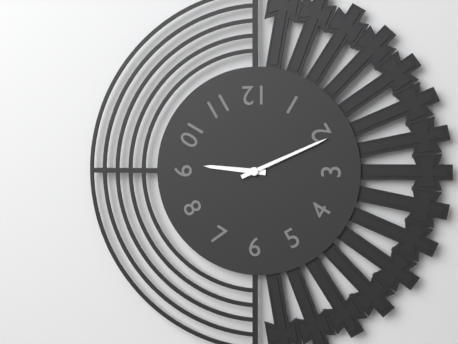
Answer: 9,11
